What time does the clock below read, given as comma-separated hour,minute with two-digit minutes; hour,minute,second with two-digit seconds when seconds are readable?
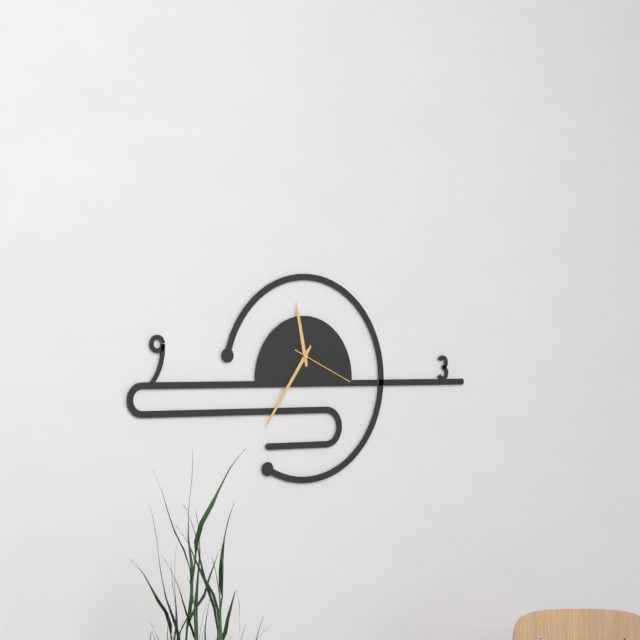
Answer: 11,36,19
